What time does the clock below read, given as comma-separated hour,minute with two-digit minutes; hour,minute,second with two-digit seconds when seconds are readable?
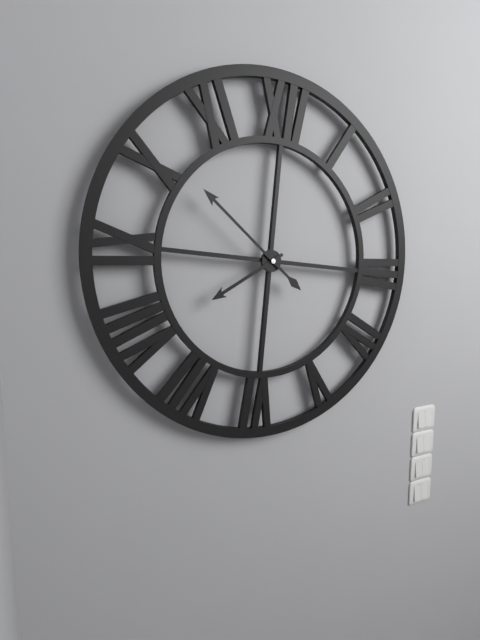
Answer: 7,51
